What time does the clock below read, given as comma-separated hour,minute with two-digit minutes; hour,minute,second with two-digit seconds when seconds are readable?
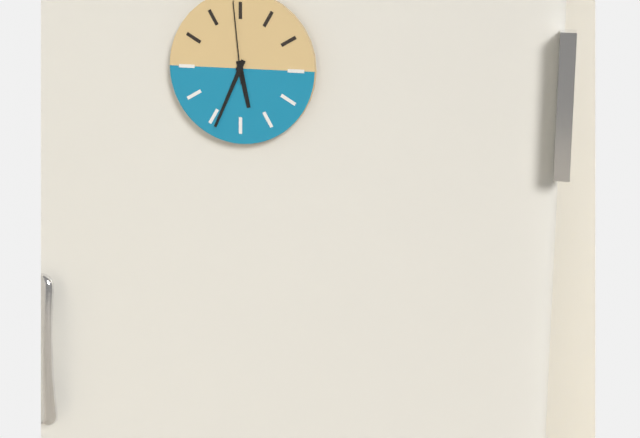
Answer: 5,34,59
